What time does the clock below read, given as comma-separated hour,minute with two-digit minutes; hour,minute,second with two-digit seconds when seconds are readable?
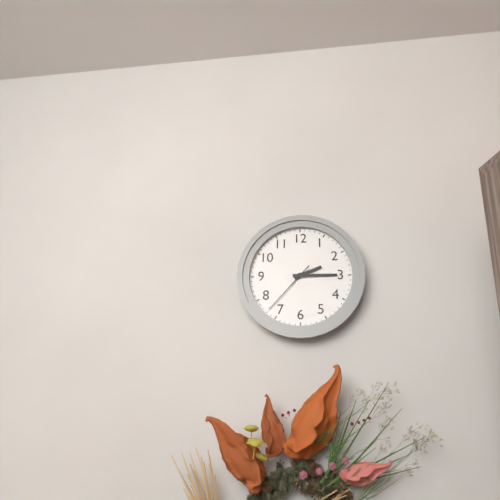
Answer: 2,15,37
